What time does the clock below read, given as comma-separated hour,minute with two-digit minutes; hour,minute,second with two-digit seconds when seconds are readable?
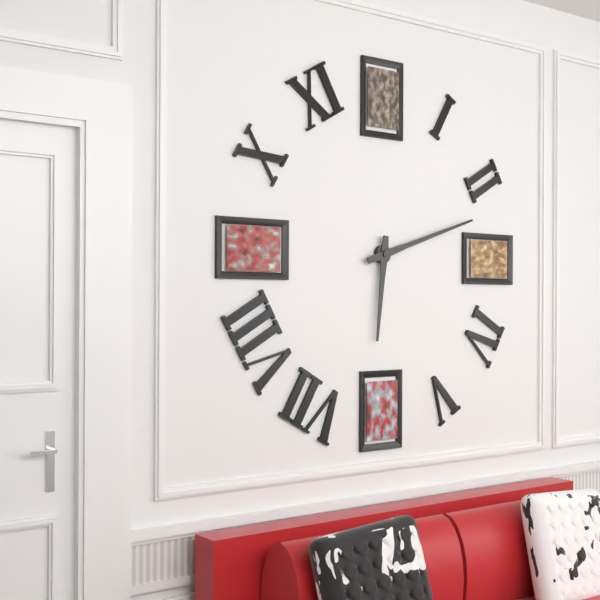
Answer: 6,12
